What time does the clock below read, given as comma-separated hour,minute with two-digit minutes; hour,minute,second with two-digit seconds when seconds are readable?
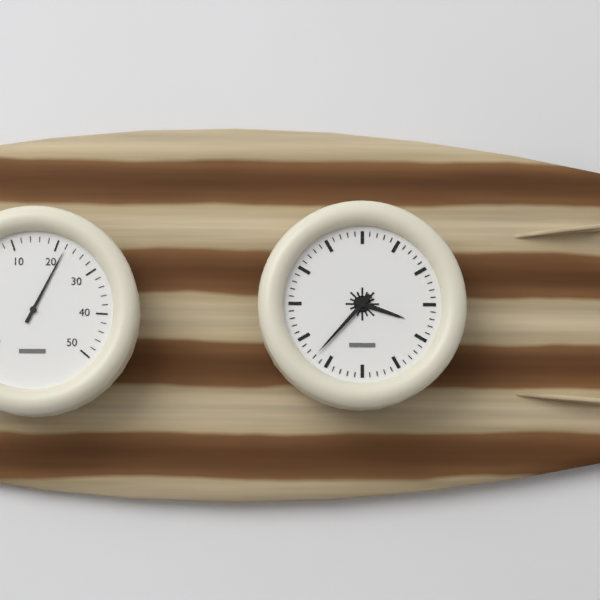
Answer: 3,37
